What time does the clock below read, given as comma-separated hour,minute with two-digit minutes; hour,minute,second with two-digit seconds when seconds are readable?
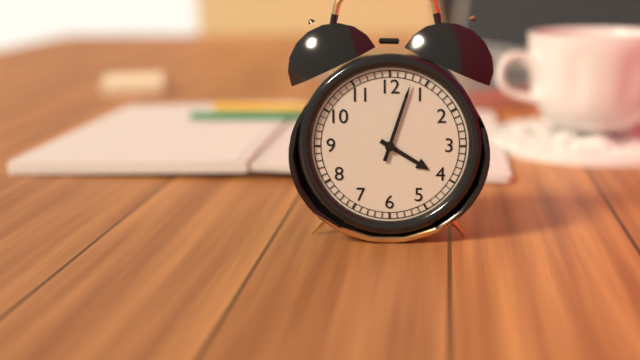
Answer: 4,03
